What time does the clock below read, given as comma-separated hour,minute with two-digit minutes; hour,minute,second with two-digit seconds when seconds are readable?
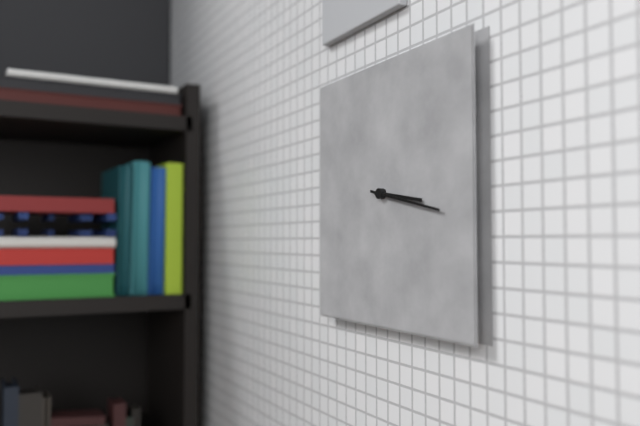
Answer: 3,17
